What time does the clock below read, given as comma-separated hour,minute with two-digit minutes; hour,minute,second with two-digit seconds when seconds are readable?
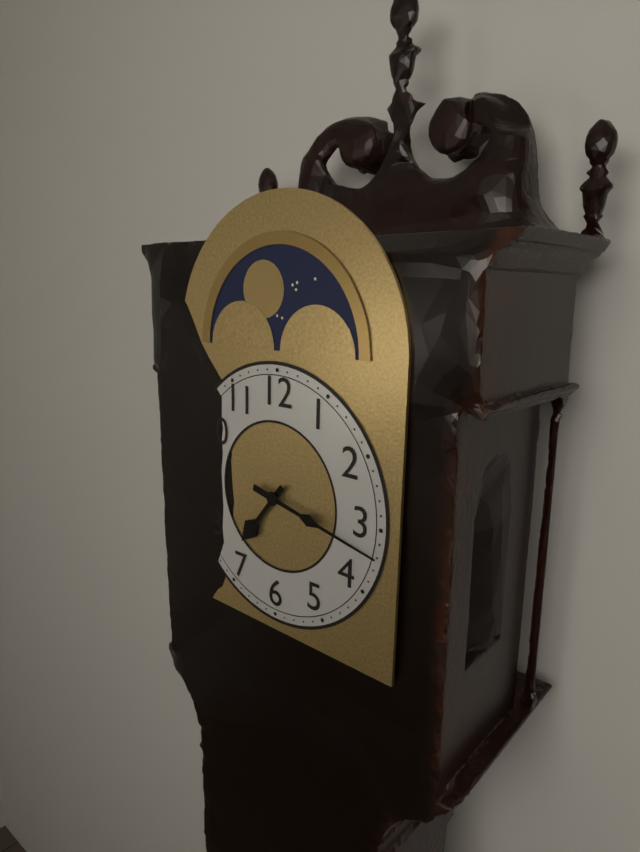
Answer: 7,17
